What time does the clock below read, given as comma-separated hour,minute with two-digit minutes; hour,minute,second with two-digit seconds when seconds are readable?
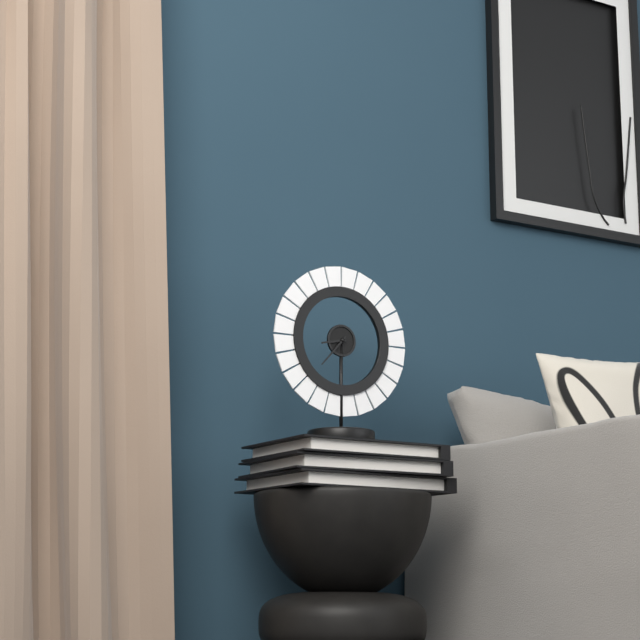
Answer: 8,37
